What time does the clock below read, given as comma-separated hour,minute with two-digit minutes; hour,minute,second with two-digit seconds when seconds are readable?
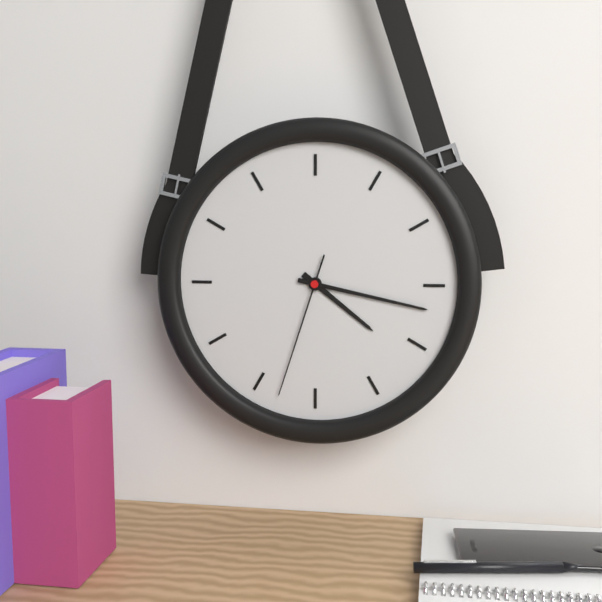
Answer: 4,17,33
